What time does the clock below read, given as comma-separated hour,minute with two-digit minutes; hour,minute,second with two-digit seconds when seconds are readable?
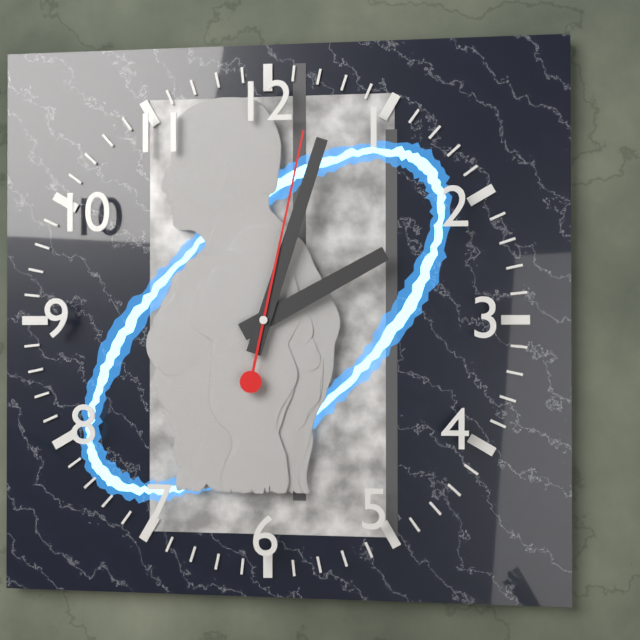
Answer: 2,03,02
